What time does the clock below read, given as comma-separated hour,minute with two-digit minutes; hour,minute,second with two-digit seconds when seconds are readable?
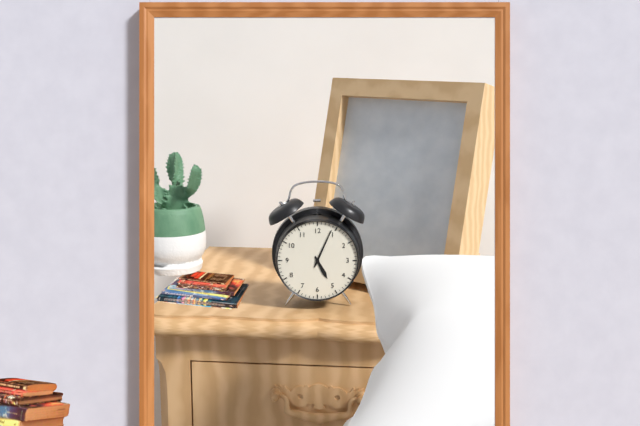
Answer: 5,04
